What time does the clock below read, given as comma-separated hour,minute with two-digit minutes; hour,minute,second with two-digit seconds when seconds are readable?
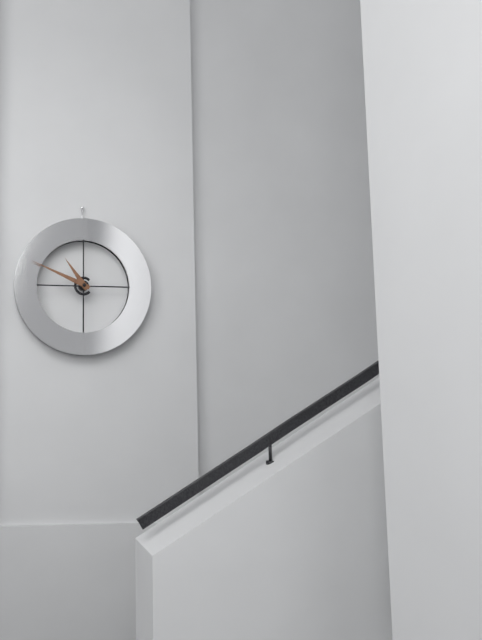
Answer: 10,49
